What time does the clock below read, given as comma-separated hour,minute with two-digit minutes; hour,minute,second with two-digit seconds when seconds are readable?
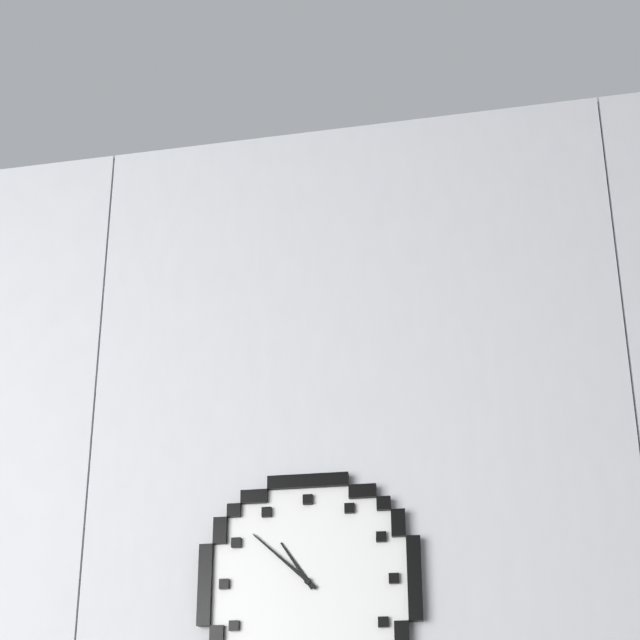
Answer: 10,52
